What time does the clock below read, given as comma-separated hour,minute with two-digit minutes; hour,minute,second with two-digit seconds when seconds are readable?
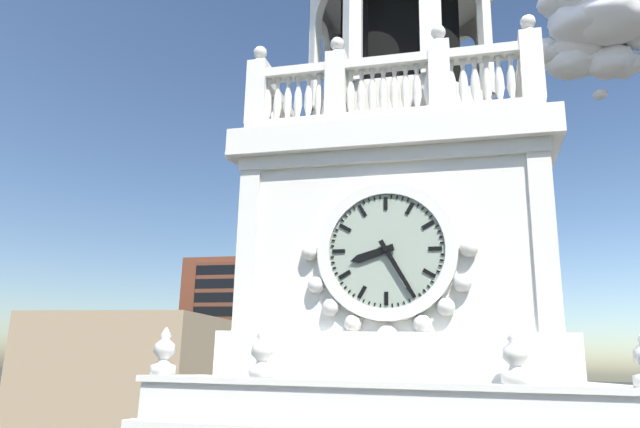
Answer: 8,25
